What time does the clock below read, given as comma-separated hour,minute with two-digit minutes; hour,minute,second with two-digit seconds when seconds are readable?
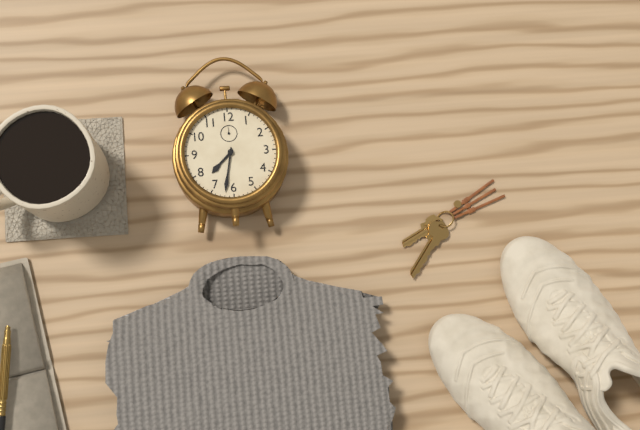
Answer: 7,32
